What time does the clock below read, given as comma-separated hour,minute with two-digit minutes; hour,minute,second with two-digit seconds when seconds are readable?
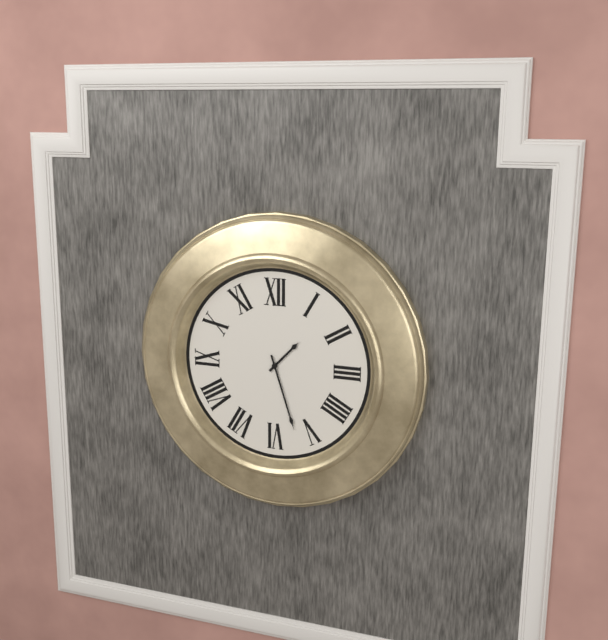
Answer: 1,27
